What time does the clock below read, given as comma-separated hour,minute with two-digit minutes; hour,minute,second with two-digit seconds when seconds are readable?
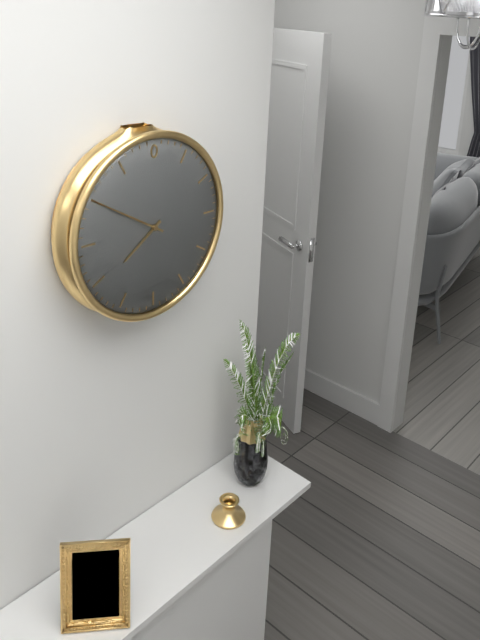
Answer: 7,50
